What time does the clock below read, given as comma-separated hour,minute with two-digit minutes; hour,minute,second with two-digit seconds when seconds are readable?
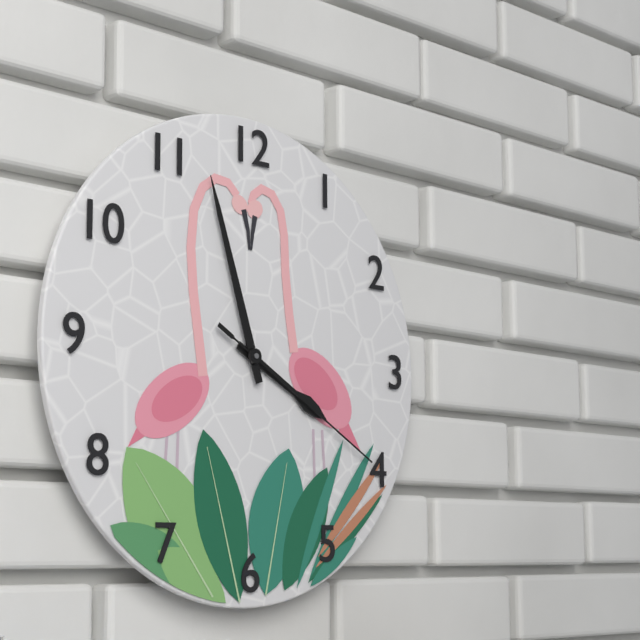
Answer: 3,57,20
